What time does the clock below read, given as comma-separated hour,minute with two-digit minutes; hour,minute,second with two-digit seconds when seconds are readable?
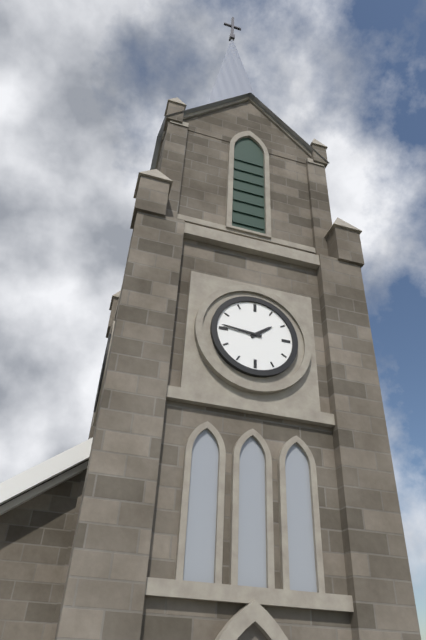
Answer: 1,46
